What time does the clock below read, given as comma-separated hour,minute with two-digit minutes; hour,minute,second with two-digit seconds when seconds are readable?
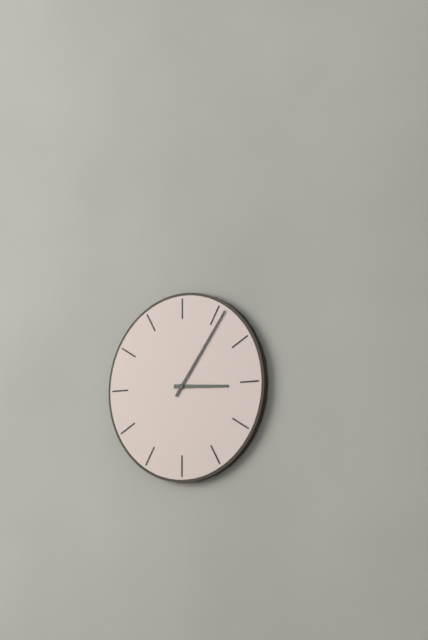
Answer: 3,06
